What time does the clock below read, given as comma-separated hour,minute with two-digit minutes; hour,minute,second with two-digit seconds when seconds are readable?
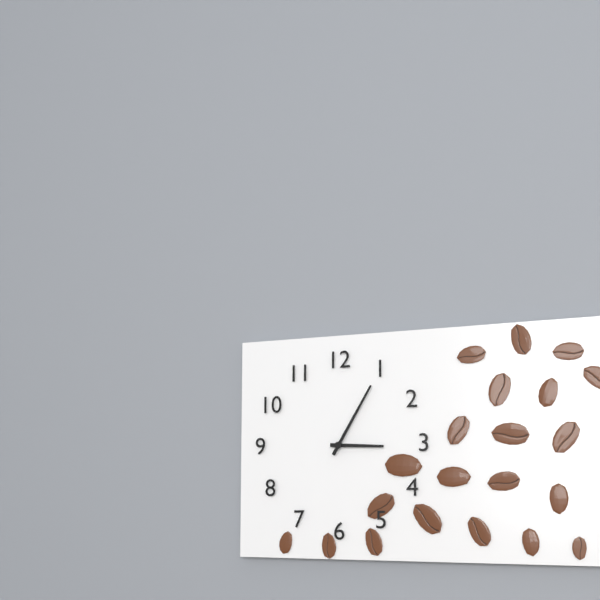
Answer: 3,05
